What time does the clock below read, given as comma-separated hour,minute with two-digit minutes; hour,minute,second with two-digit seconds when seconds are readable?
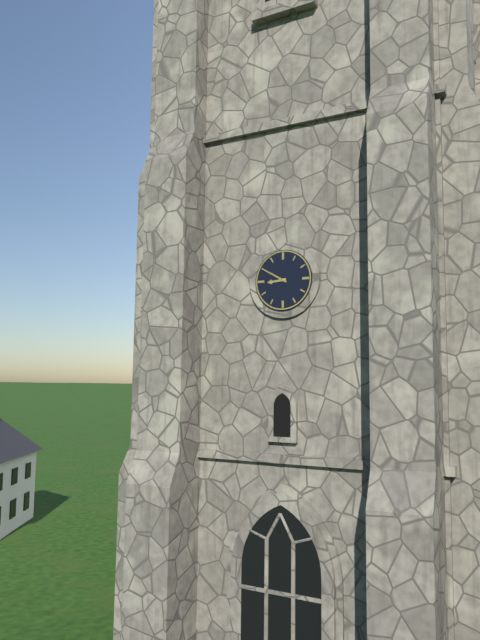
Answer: 8,50
